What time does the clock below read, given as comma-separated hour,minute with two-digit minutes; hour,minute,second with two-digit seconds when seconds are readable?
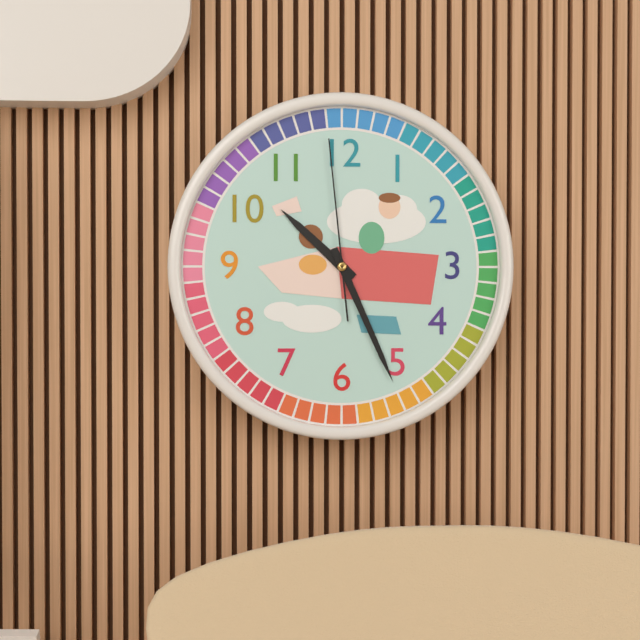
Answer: 10,26,59
